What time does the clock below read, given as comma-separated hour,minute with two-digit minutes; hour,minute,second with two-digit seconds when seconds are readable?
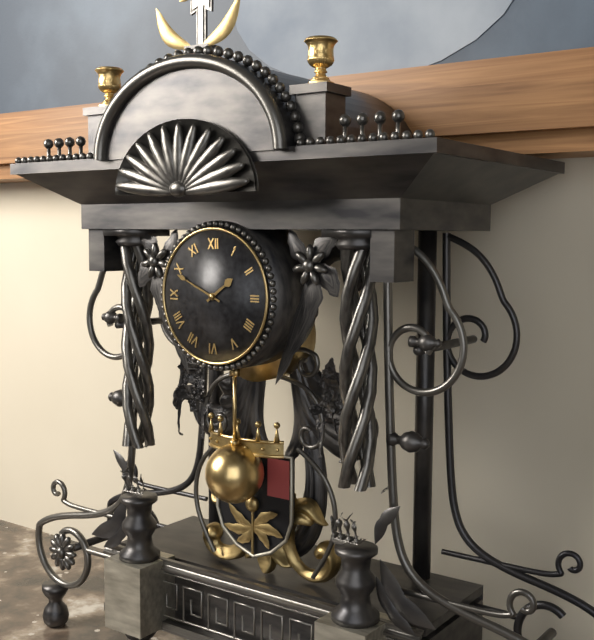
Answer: 1,49
